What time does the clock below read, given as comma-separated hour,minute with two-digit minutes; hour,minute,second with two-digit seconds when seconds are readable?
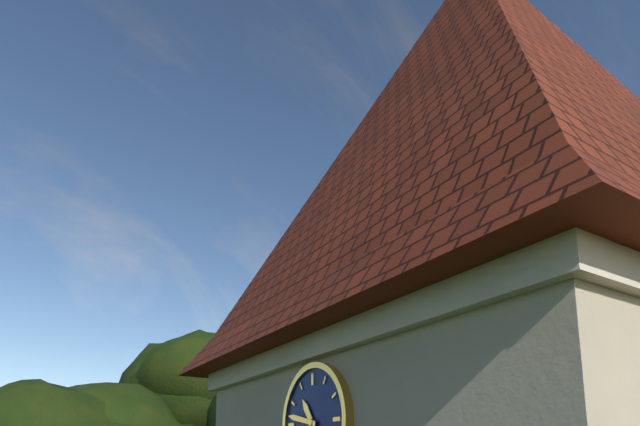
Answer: 10,47
